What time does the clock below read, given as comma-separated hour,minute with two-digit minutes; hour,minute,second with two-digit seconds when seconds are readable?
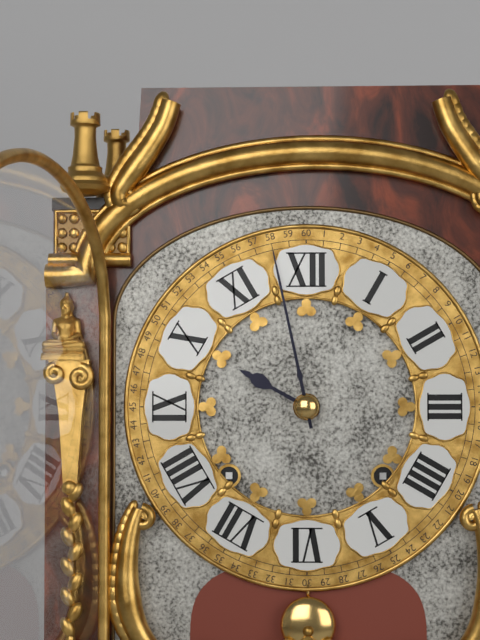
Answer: 9,58
